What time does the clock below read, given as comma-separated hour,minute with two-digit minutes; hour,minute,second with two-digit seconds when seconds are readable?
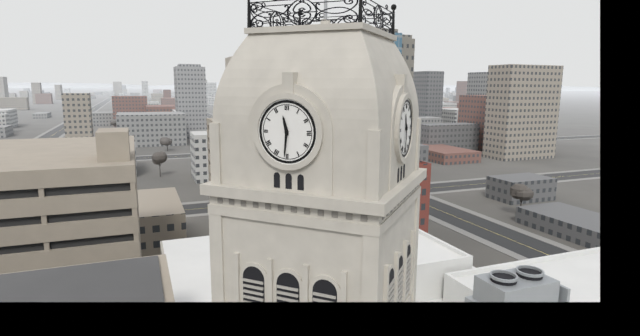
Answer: 11,31
